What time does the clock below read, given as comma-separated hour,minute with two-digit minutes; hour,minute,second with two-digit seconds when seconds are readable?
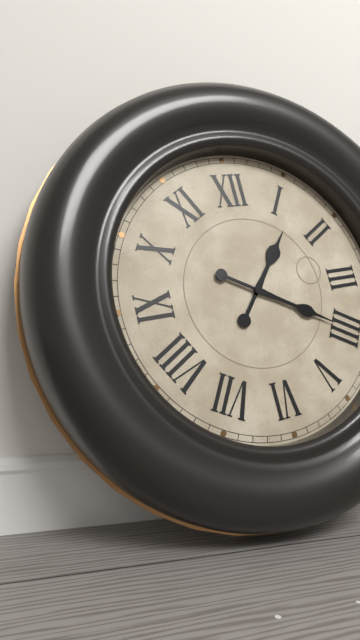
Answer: 1,20
